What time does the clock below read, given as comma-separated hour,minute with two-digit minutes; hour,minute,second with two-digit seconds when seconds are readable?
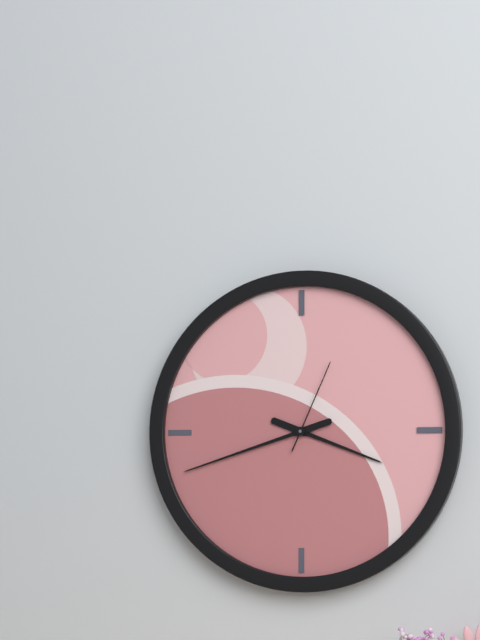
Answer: 3,42,04
